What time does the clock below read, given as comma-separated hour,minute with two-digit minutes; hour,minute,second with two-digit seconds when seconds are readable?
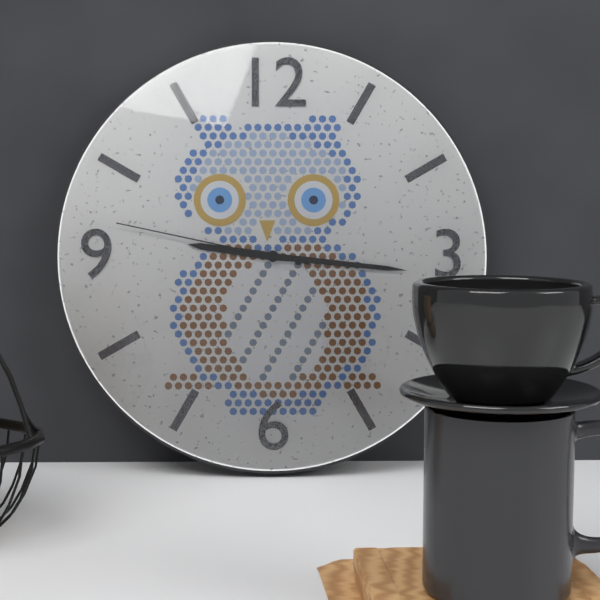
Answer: 9,16,47
